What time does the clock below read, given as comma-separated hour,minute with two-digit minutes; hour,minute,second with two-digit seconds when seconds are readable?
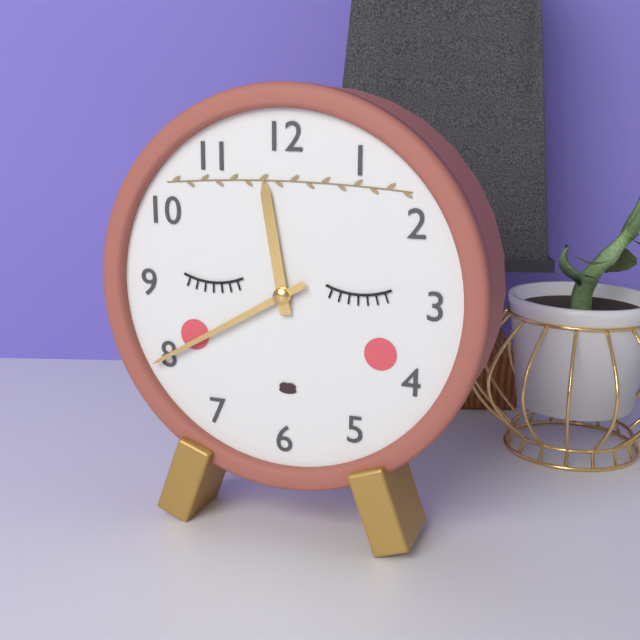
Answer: 11,40
